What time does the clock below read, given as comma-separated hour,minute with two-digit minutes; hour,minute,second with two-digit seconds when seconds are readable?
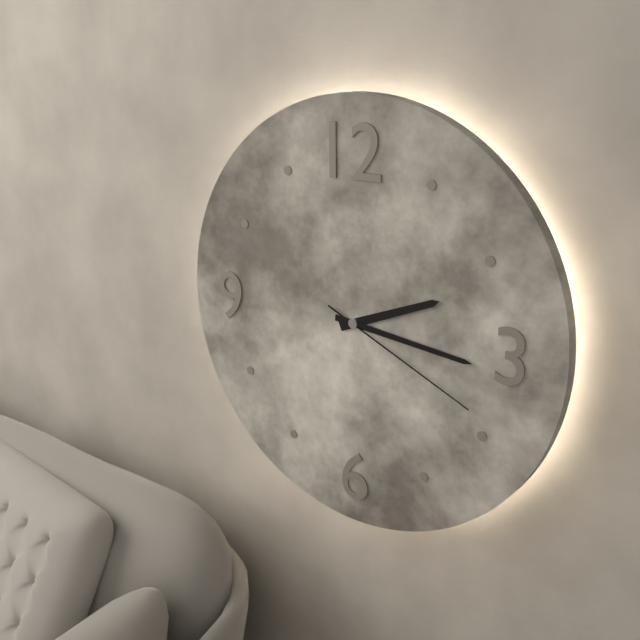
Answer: 2,16,19
